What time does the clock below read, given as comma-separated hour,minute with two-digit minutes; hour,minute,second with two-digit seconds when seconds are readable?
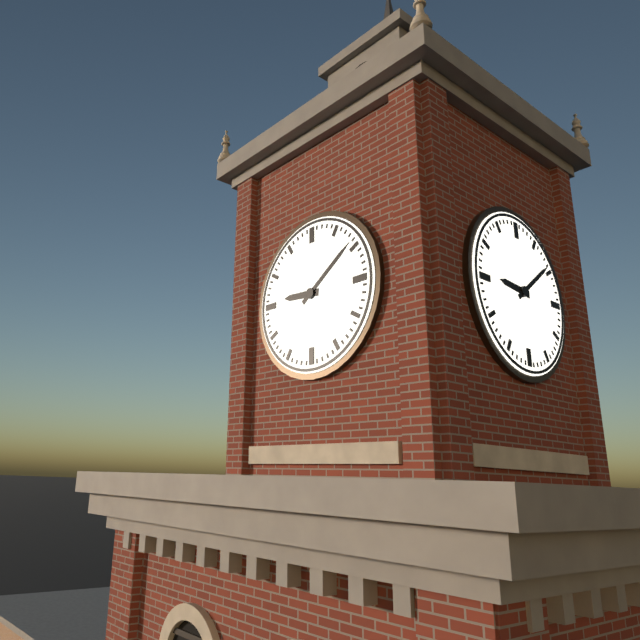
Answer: 9,09
